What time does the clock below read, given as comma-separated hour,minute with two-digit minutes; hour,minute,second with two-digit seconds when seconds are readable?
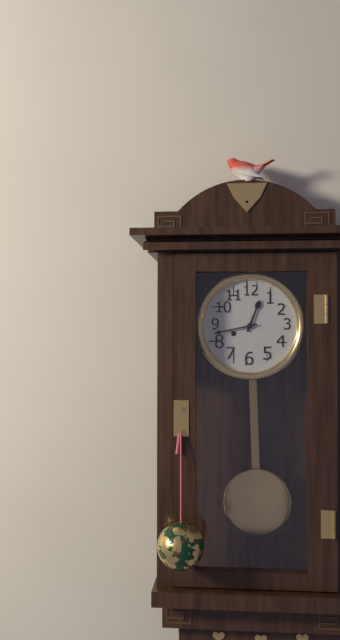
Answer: 12,43
